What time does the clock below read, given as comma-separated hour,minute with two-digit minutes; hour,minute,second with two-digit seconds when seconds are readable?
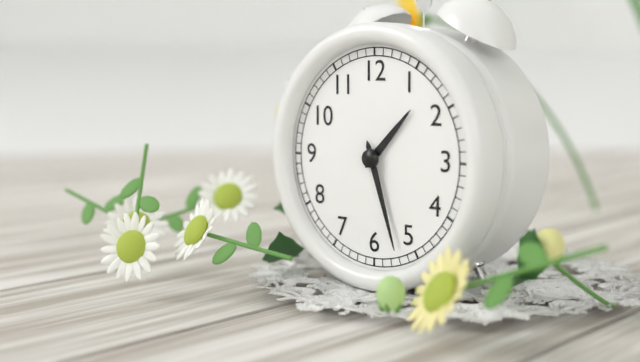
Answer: 1,27
